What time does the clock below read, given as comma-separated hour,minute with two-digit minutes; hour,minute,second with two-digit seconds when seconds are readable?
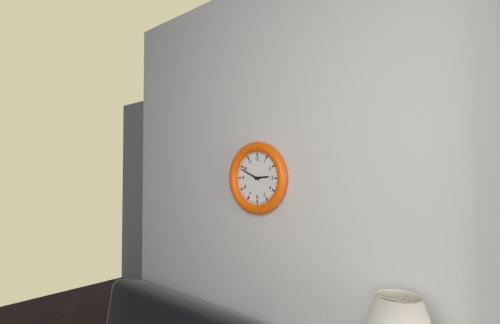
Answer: 2,49
